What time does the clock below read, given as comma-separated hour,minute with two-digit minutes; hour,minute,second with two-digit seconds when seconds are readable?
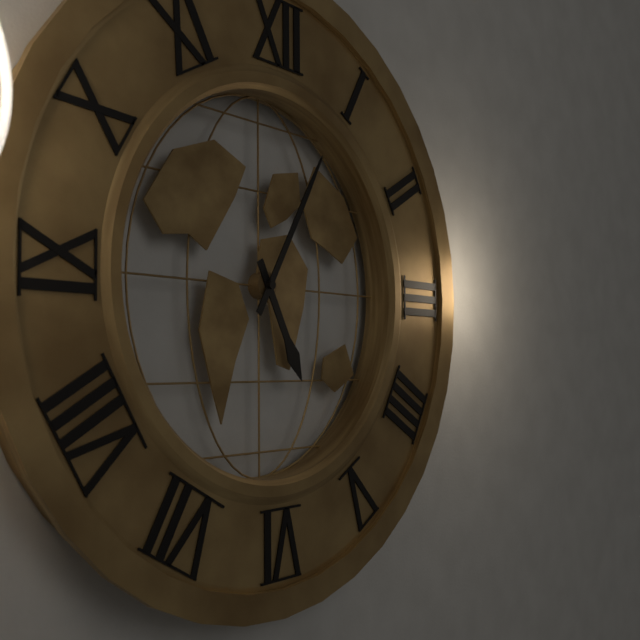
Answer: 5,05
